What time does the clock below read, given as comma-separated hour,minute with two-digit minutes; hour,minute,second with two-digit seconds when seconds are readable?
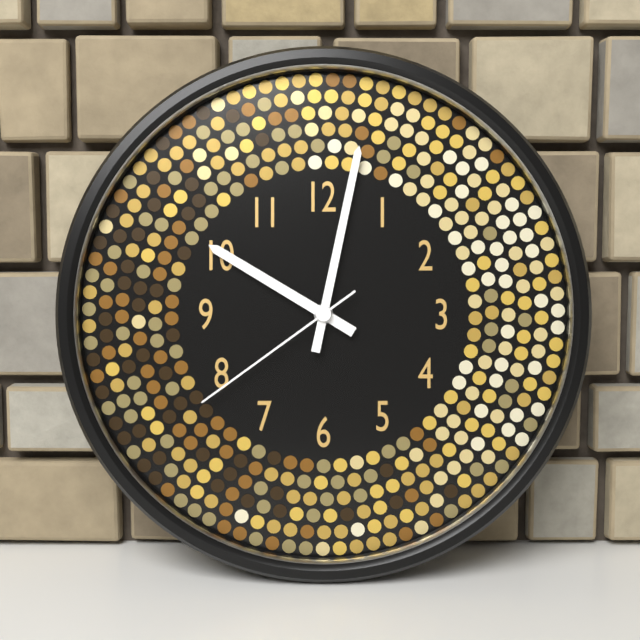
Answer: 10,02,39
